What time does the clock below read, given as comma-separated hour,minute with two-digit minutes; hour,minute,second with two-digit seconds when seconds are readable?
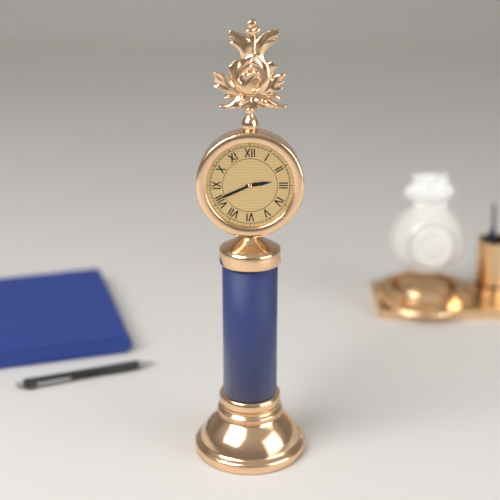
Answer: 2,41
